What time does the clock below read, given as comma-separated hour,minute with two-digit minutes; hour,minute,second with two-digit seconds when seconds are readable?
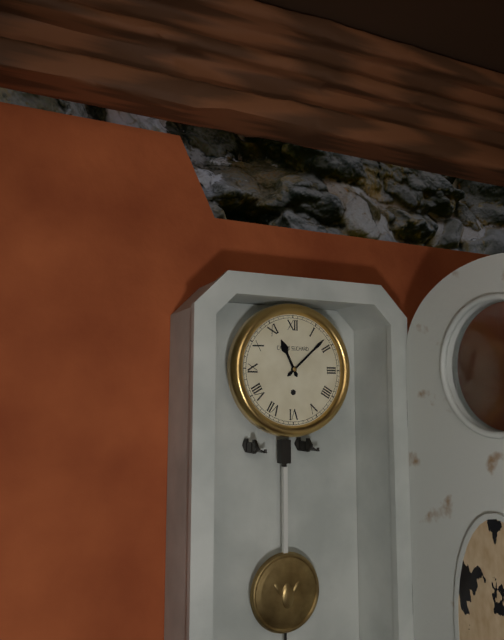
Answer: 11,08
